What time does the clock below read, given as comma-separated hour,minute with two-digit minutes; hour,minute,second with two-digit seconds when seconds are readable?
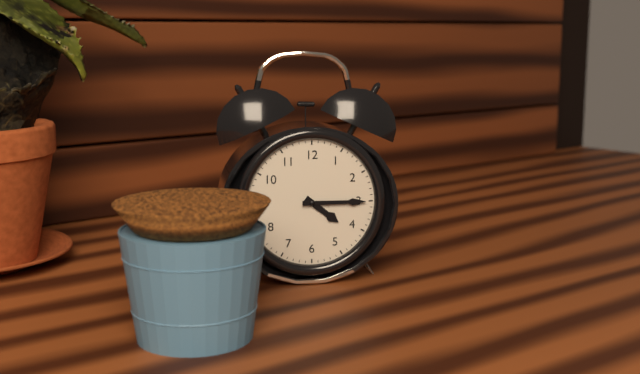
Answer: 4,15
